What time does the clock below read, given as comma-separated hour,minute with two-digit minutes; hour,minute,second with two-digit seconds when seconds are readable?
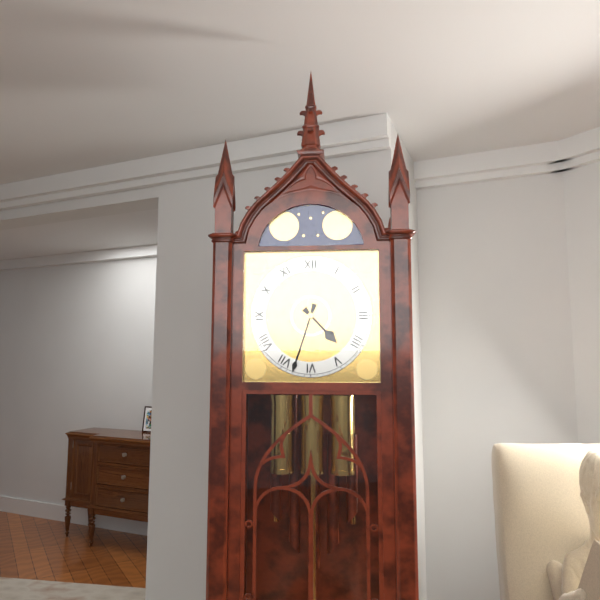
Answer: 4,33
